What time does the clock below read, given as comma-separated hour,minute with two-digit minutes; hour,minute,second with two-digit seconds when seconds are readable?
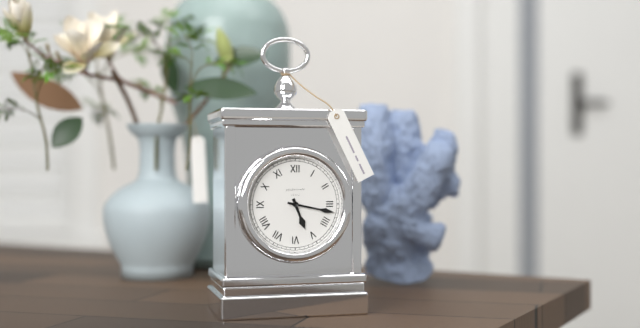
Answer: 5,17
